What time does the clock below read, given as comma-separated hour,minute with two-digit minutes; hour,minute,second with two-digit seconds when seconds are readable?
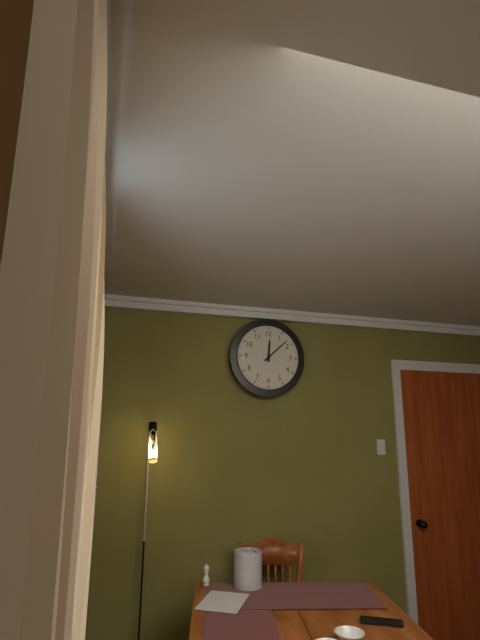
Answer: 12,08
